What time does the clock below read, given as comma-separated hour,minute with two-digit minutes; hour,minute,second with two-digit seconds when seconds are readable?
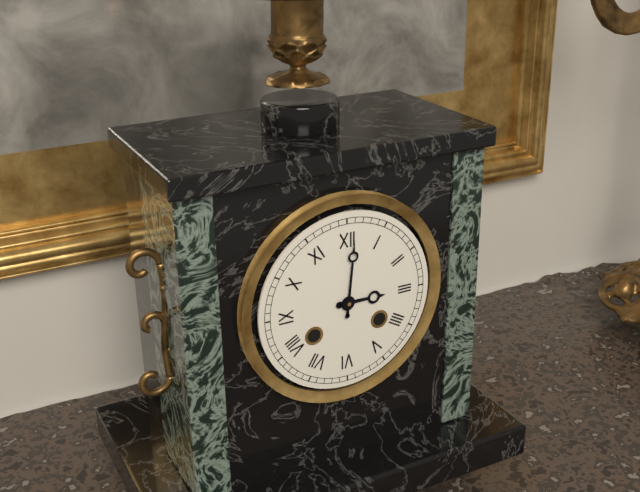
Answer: 3,01
